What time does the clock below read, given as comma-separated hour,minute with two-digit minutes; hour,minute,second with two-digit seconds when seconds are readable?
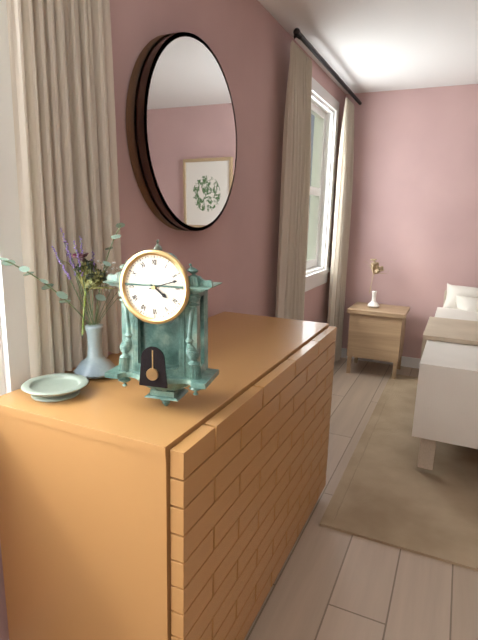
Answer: 4,12
